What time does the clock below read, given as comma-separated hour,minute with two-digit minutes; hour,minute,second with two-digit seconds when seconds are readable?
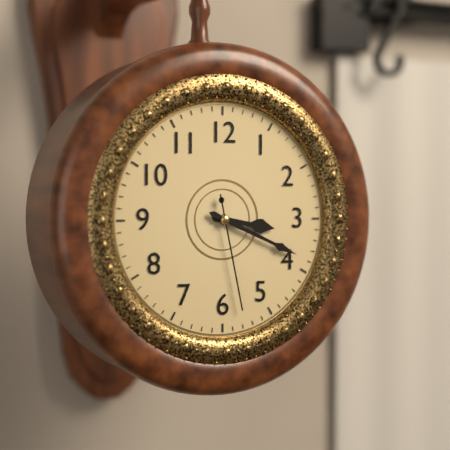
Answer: 3,19,28
